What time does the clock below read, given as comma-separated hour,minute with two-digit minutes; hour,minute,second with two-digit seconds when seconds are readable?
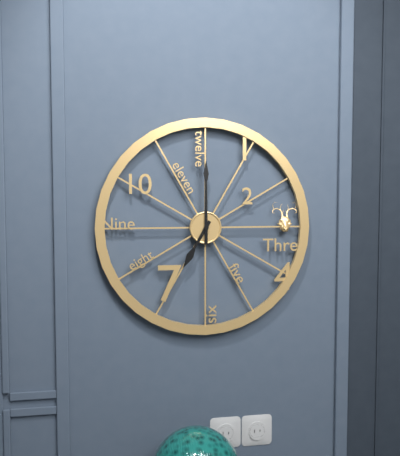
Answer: 7,00
